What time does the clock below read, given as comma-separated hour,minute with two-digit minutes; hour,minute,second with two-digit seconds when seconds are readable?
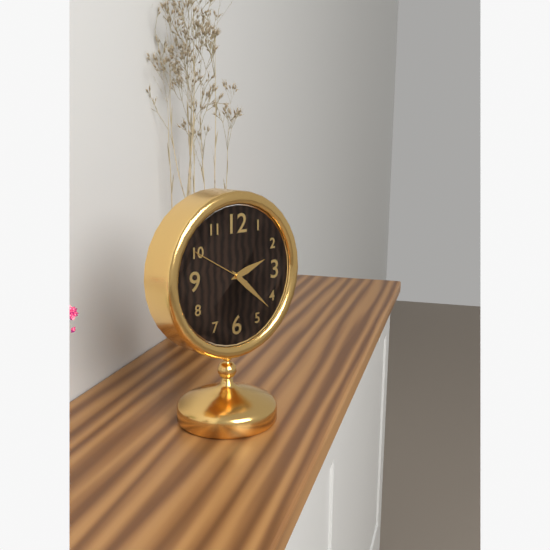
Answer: 2,22,50
